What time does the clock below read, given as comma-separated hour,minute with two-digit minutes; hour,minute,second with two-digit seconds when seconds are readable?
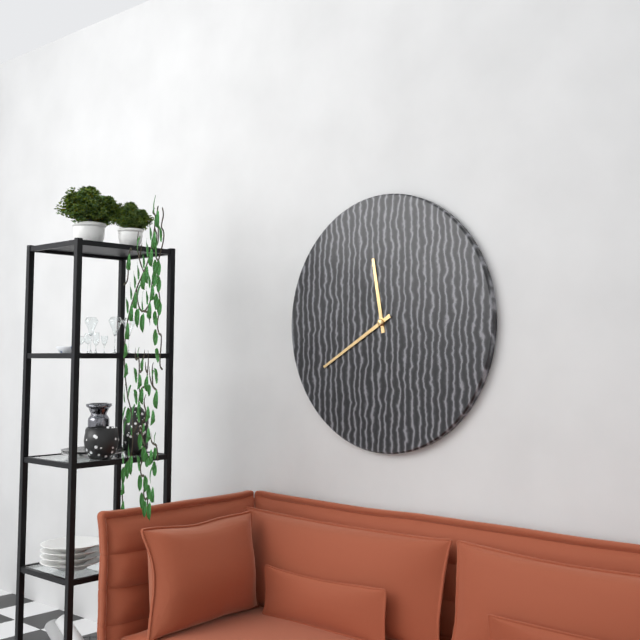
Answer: 11,40
